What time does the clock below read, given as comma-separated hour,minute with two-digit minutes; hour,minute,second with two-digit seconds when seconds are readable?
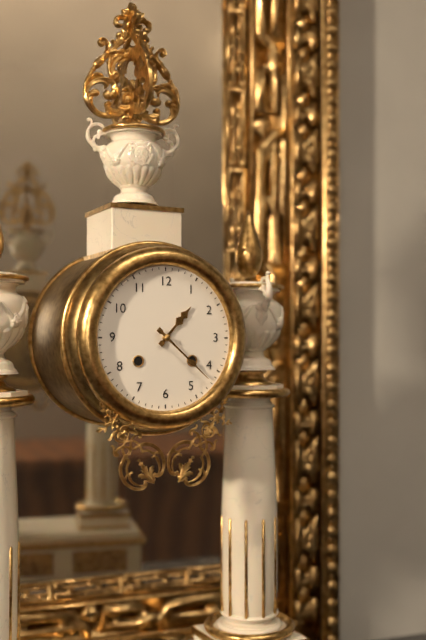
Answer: 1,22
